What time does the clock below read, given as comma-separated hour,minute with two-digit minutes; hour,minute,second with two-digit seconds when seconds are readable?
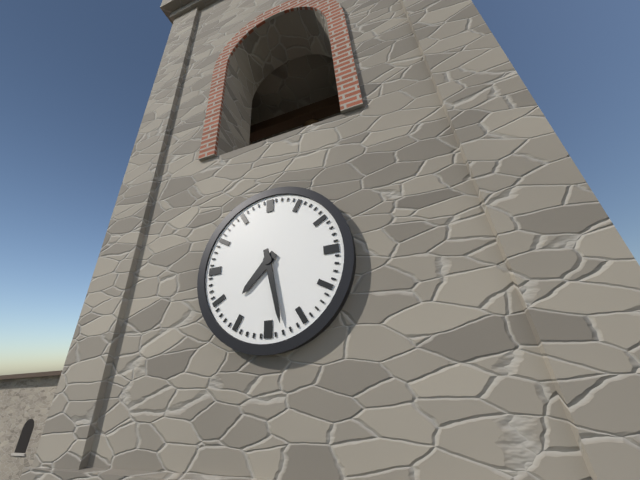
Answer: 7,28
